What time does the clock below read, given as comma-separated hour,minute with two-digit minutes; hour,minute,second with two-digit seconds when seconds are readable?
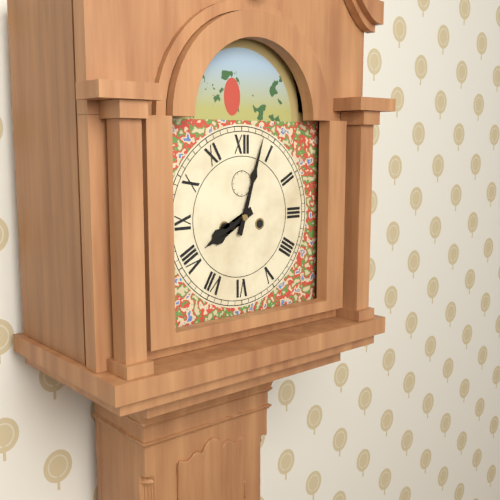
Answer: 8,03
